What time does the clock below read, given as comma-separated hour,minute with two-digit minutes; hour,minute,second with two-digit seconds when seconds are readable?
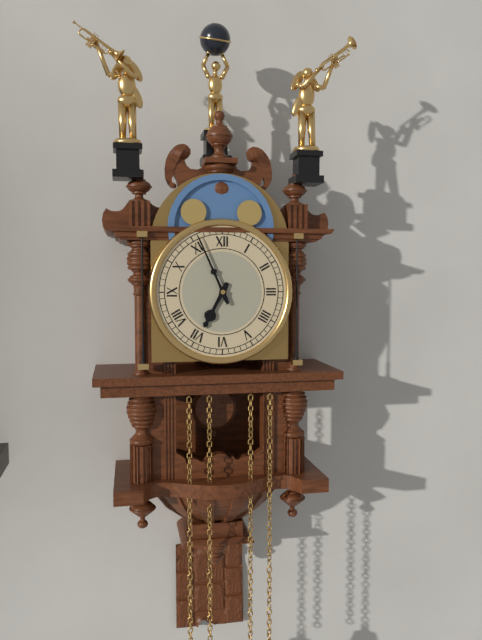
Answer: 6,56
